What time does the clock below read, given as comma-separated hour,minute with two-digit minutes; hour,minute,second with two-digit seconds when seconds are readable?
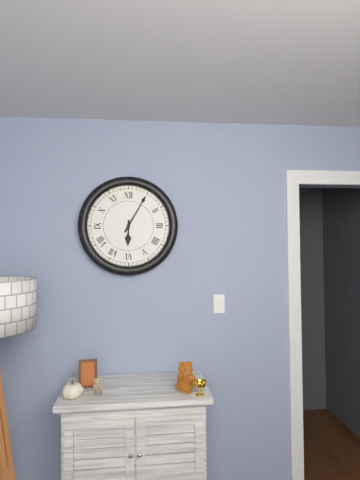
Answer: 6,05
